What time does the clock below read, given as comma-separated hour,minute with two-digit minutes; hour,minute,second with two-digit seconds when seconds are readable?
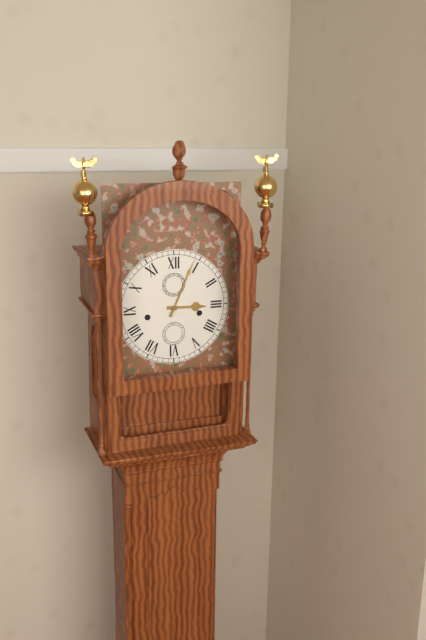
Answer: 3,04
